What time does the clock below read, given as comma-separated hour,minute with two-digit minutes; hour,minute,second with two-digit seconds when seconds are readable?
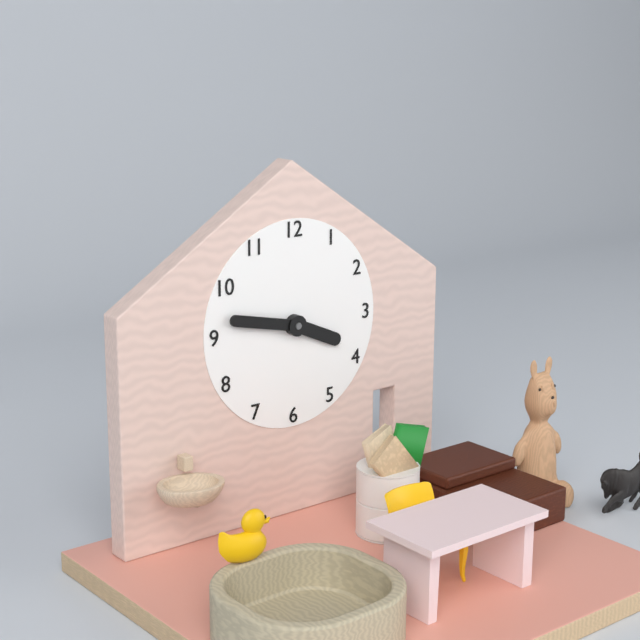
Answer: 3,47
